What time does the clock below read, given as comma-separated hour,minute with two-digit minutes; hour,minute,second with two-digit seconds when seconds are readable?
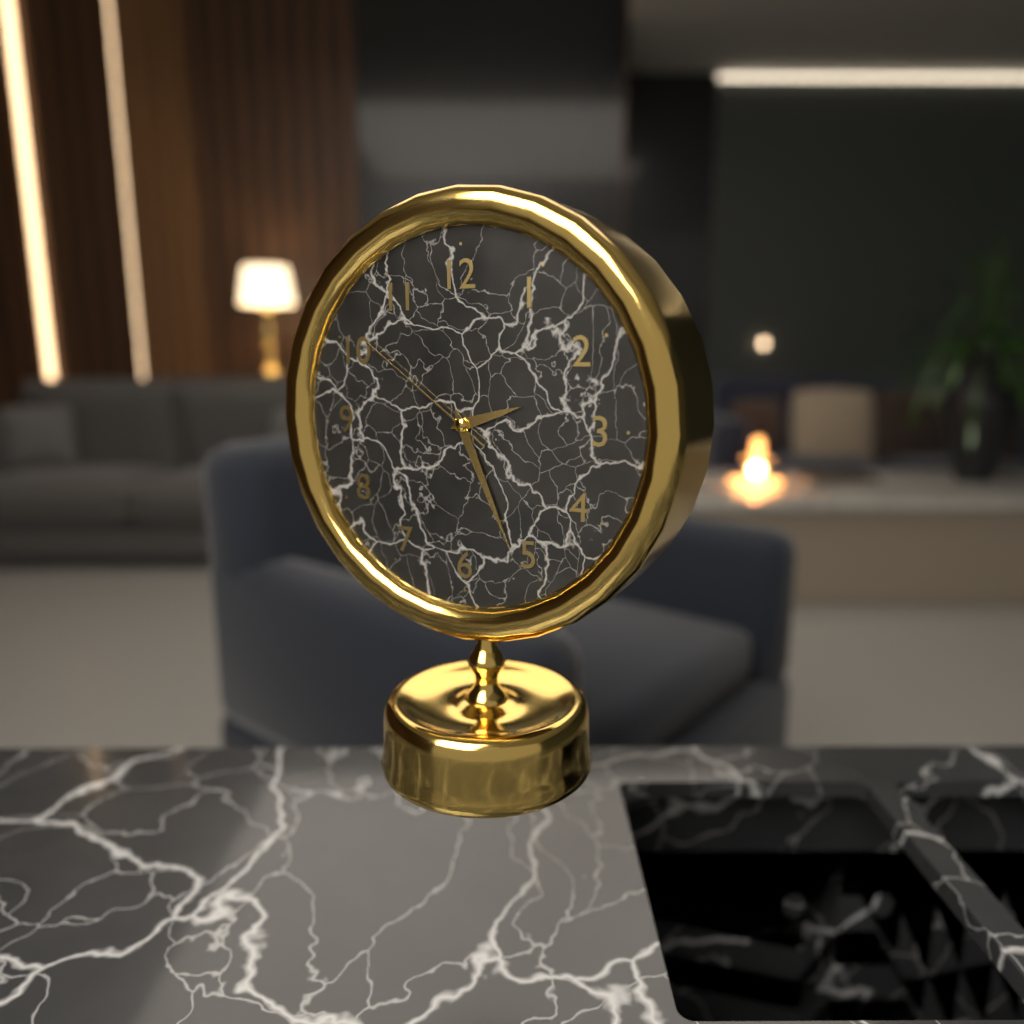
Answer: 2,26,51
